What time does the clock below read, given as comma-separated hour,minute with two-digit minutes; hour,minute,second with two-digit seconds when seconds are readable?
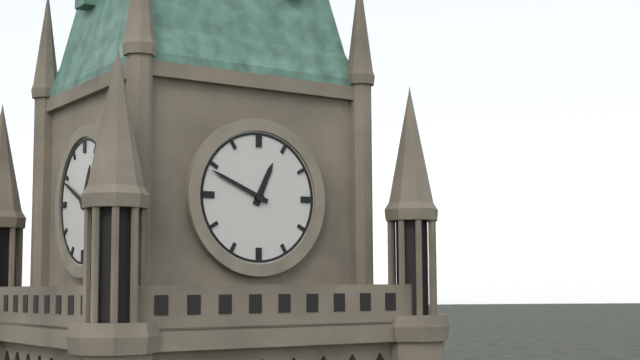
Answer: 12,49
